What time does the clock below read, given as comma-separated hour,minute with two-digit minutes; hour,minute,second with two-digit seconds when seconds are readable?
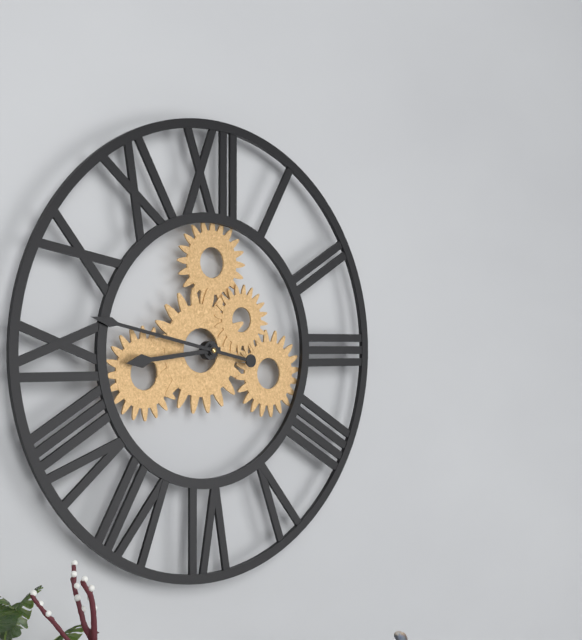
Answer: 8,47
